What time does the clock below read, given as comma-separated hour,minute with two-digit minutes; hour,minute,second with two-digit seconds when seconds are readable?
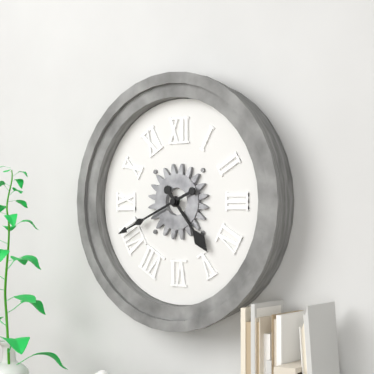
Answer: 4,41
